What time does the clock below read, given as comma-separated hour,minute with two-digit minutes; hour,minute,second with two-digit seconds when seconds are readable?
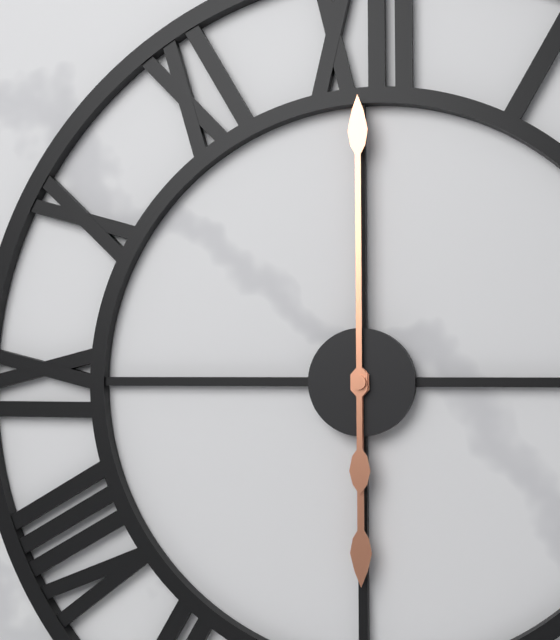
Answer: 6,00
